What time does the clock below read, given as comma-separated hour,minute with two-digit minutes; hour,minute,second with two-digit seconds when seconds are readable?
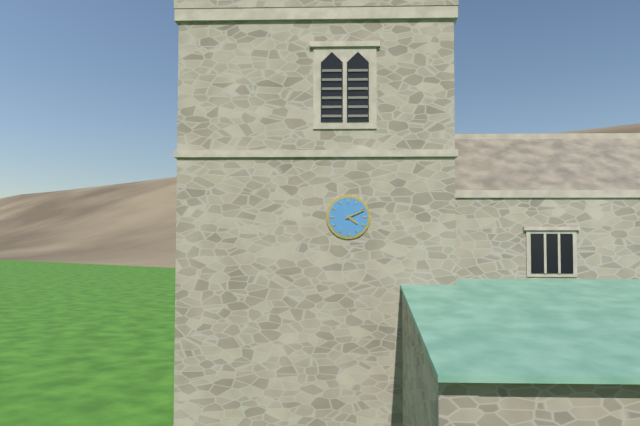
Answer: 4,11
